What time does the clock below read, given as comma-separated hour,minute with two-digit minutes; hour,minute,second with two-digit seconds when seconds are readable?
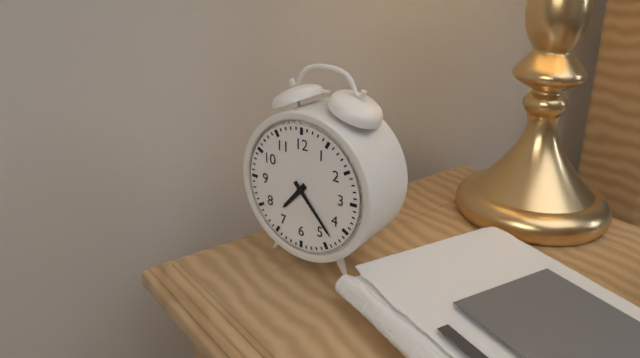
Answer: 7,23
